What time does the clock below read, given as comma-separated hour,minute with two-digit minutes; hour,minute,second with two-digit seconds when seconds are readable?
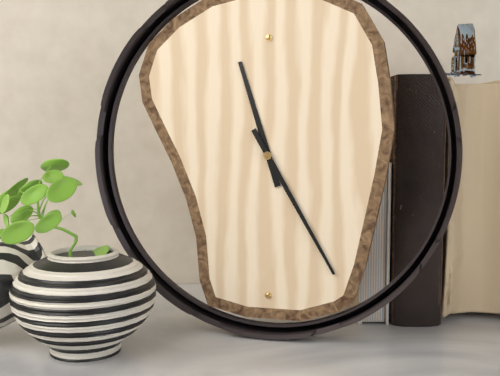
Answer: 11,25
